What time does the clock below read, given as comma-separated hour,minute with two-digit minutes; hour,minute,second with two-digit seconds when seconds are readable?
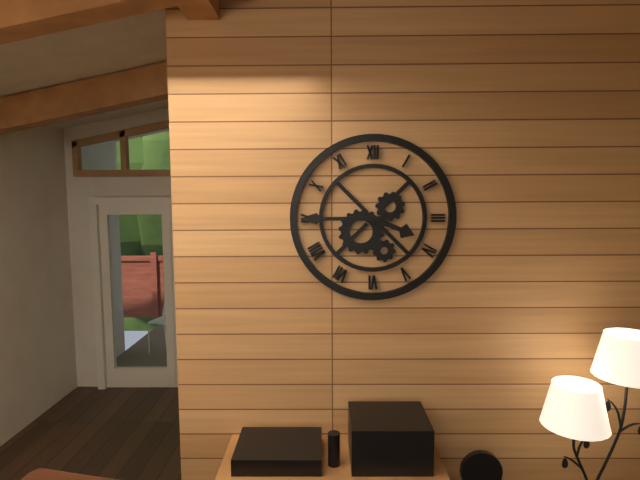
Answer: 3,45
